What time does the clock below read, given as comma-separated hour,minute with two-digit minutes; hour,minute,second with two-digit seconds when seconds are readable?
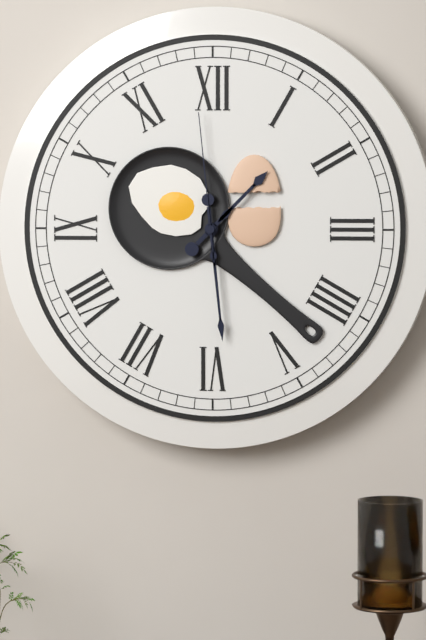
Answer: 1,29,59
